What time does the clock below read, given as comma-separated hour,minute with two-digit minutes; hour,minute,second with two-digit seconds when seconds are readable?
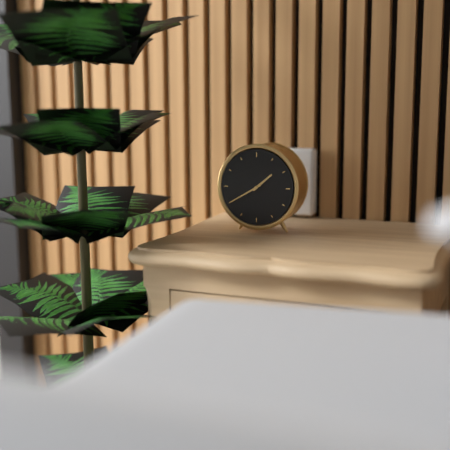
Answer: 1,40
